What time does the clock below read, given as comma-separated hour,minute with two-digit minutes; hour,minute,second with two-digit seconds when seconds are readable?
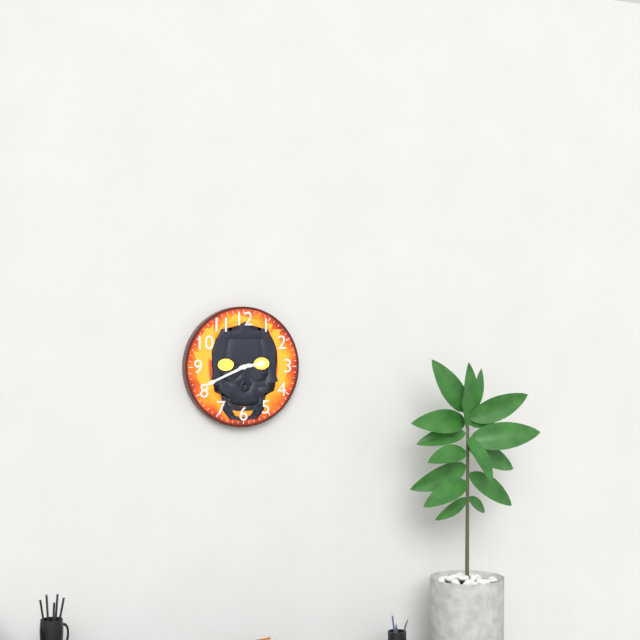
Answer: 2,41
